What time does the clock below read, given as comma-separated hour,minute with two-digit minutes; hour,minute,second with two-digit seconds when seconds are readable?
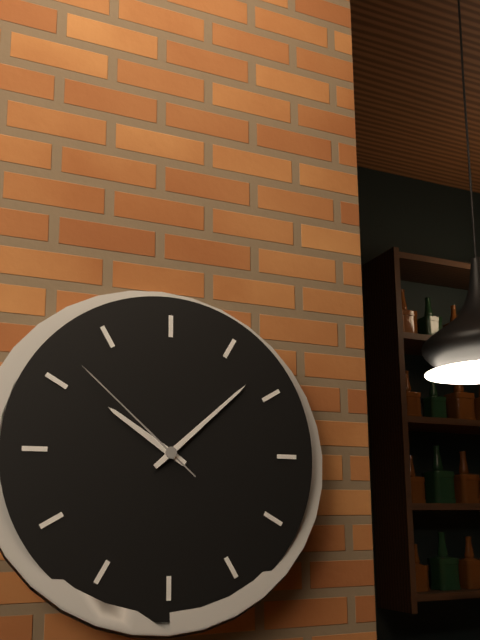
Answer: 10,08,52
